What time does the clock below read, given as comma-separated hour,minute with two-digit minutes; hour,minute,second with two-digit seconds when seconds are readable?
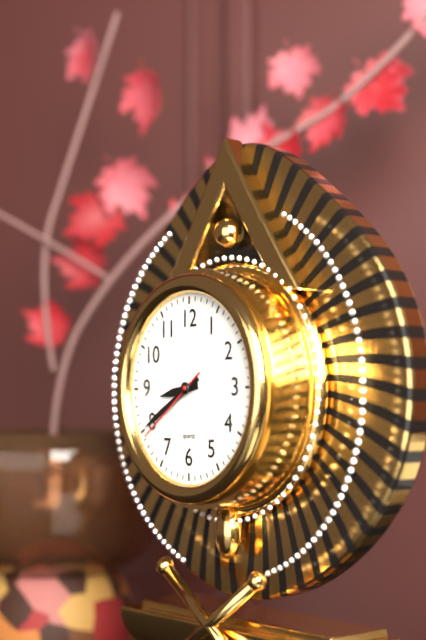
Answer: 8,40,39
